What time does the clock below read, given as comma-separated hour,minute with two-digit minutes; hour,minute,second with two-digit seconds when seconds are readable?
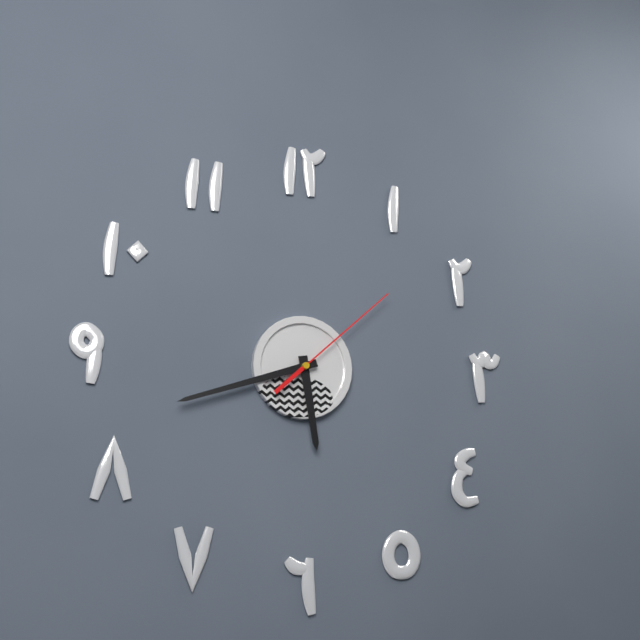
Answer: 5,42,08
